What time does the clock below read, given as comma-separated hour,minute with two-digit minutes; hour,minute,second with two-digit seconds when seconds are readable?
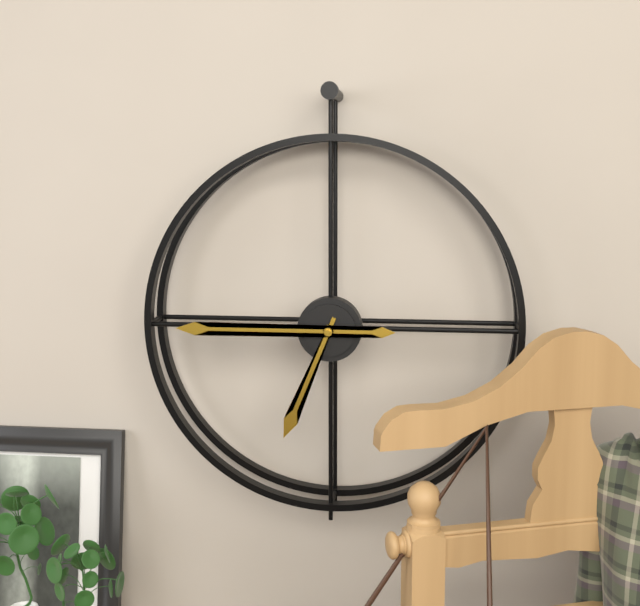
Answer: 6,45
